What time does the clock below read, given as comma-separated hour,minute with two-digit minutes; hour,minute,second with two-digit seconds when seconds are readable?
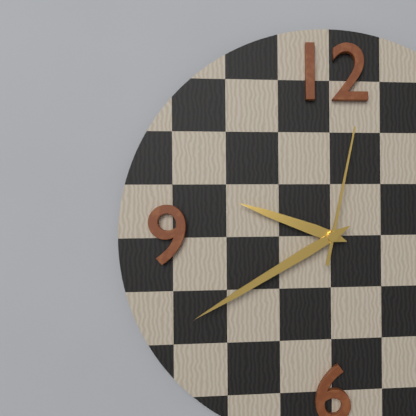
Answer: 9,40,02
